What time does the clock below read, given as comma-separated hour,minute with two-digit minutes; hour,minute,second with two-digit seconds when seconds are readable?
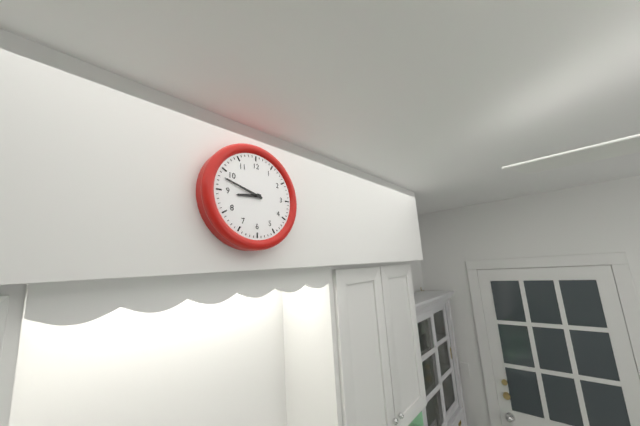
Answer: 8,48
